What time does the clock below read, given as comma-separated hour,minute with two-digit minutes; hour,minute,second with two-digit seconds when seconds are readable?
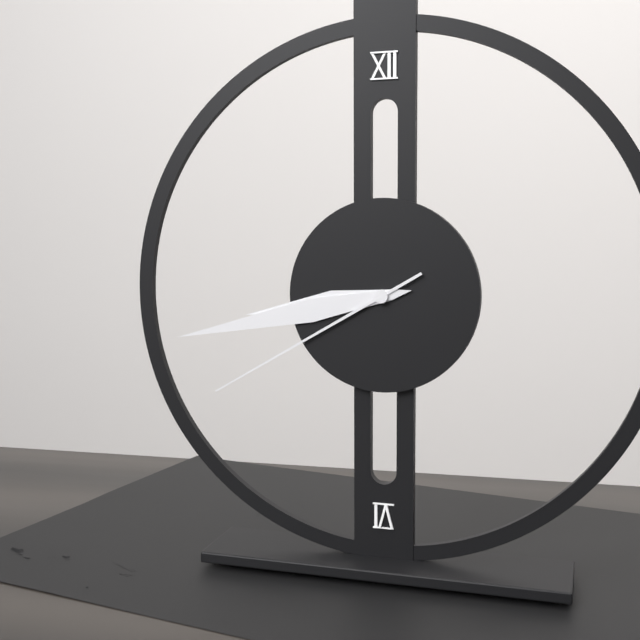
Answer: 8,43,40
